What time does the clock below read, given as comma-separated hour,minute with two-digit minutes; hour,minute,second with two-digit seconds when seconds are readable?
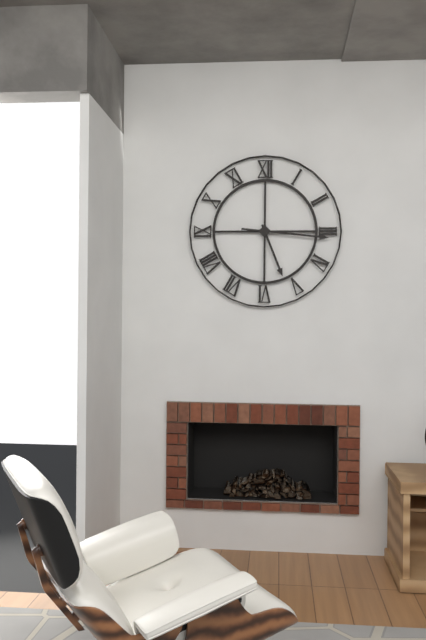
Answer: 5,16
